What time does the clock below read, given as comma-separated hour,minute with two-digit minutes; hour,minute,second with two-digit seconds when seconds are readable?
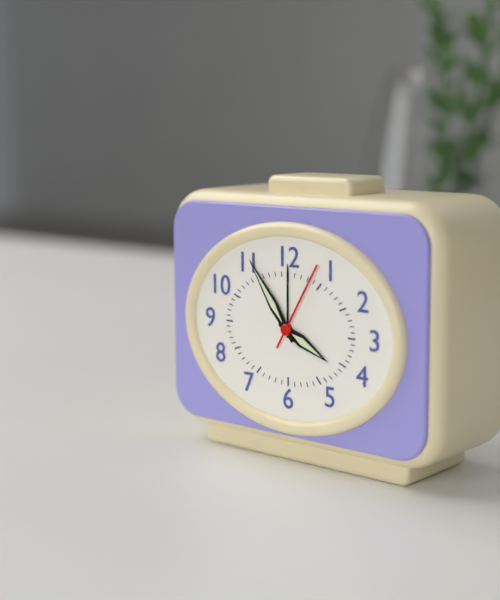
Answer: 3,54,05
